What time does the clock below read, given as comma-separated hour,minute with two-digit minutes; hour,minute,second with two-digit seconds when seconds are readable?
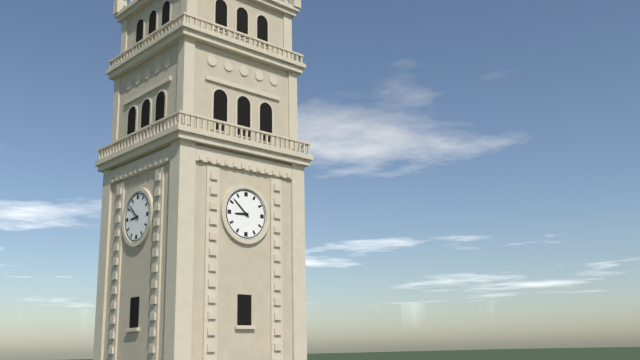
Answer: 8,52
